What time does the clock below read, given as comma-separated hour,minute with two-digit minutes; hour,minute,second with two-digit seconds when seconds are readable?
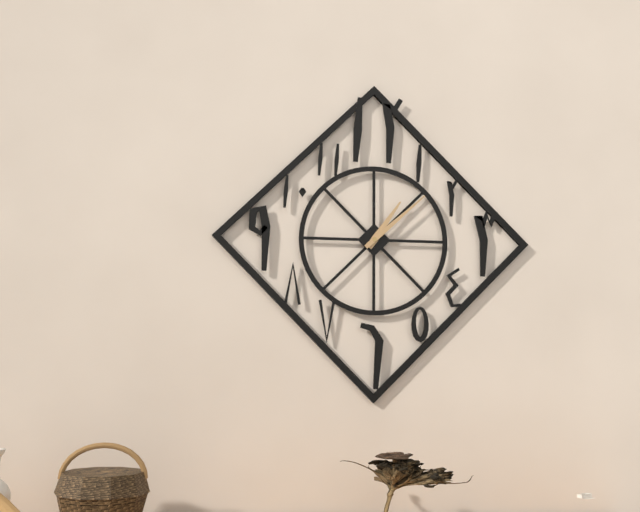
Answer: 1,08
